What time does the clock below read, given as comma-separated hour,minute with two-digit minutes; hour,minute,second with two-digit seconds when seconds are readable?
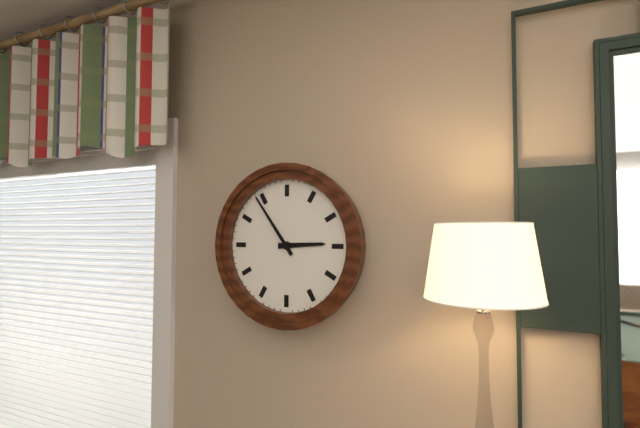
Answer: 2,54
